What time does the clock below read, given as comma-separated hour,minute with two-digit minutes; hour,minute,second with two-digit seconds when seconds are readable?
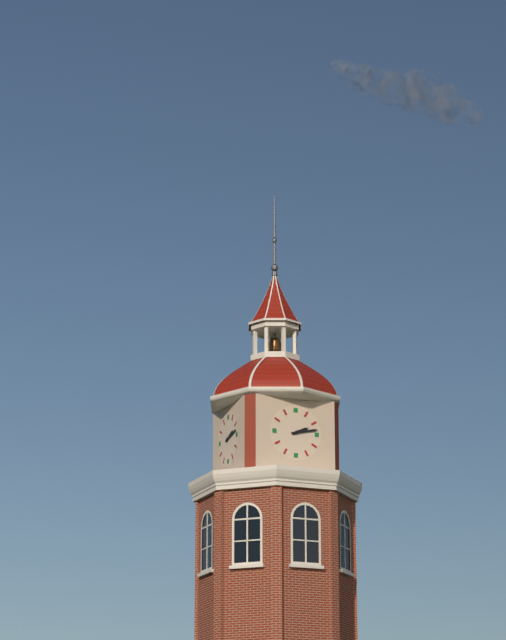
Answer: 2,13
